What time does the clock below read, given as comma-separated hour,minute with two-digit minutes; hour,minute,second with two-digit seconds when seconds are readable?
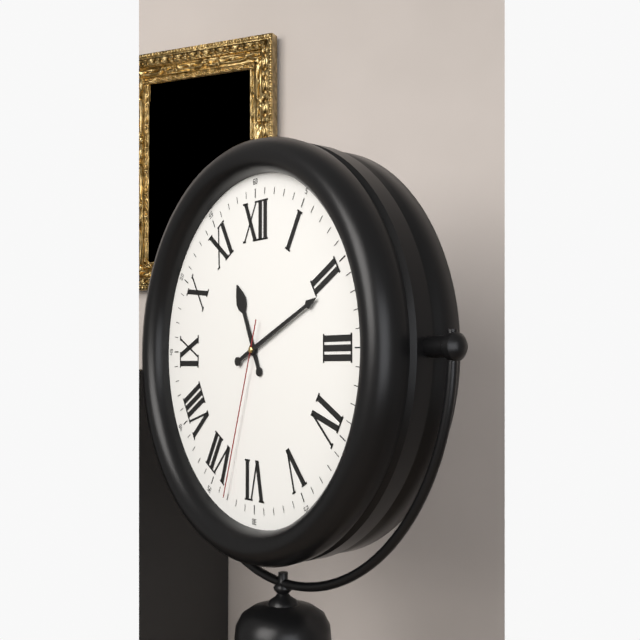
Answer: 11,11,33
